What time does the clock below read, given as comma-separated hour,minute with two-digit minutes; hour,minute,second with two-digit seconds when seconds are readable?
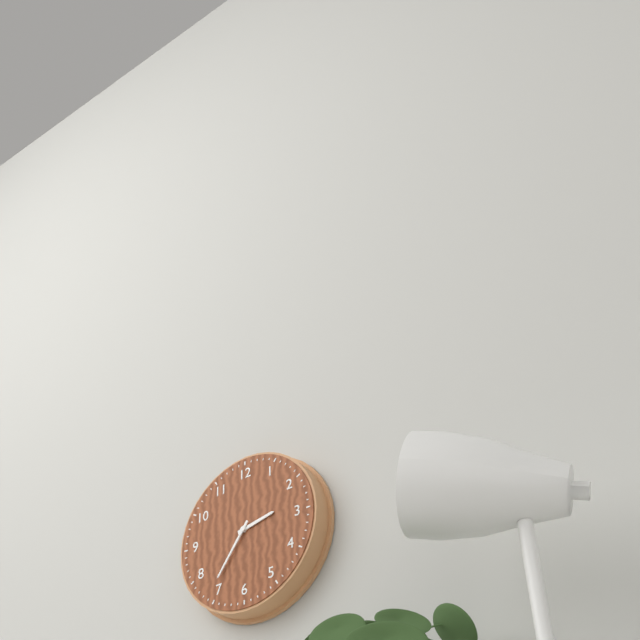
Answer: 2,36
